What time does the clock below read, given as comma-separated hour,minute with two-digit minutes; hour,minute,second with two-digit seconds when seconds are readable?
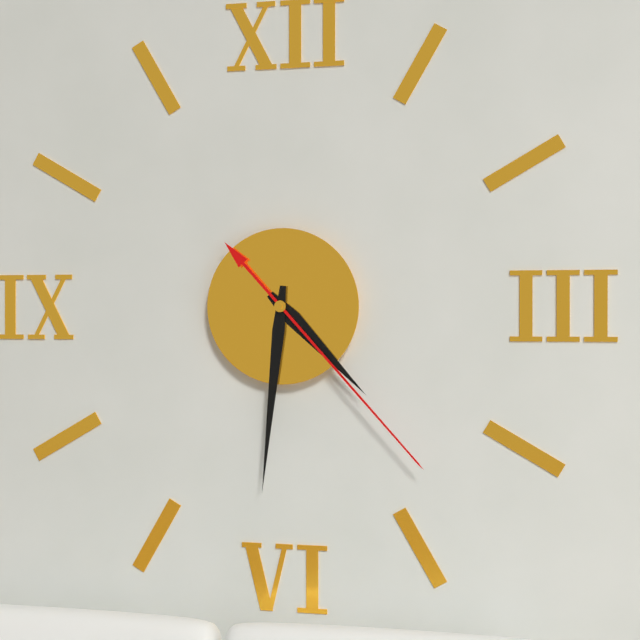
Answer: 4,31,23
